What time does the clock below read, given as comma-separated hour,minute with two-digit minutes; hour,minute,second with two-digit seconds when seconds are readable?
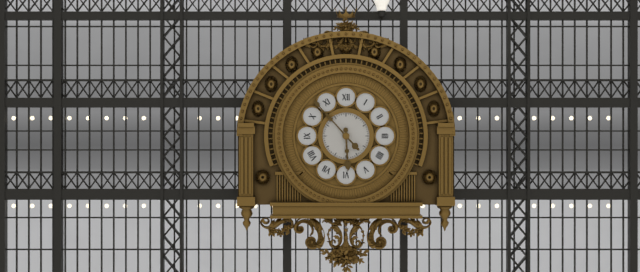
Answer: 5,53
